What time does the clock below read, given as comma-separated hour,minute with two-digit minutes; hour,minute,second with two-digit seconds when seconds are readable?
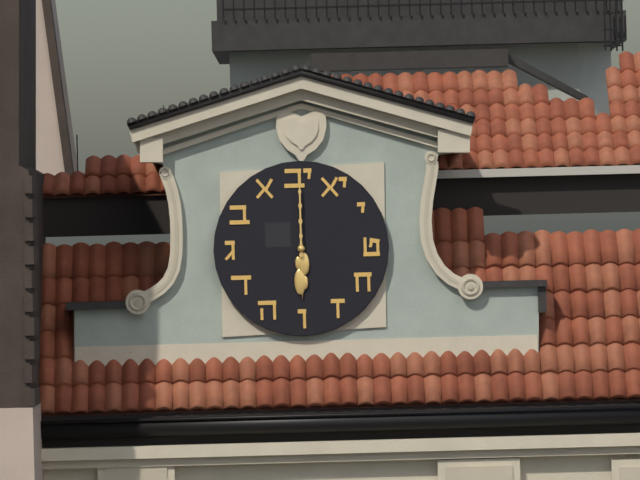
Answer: 6,00
